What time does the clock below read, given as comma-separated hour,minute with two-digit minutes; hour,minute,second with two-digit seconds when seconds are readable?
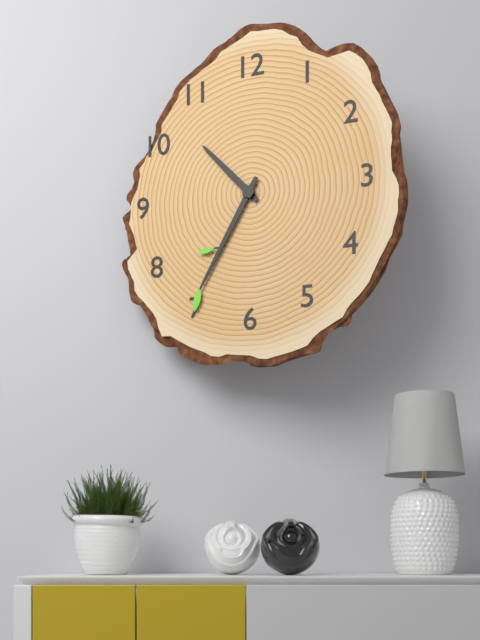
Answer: 10,35
